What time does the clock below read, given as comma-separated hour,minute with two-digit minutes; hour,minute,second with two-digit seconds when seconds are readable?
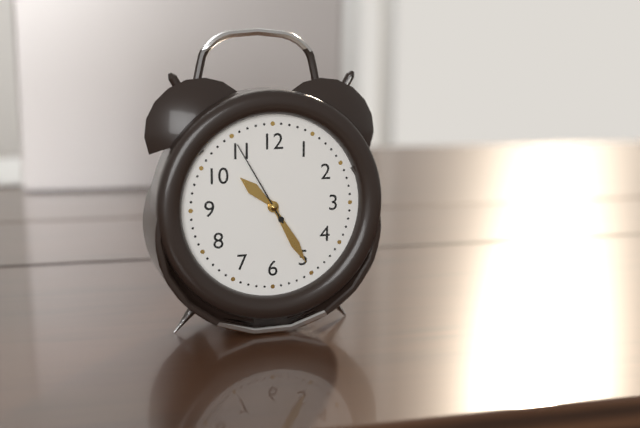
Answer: 10,25,55
